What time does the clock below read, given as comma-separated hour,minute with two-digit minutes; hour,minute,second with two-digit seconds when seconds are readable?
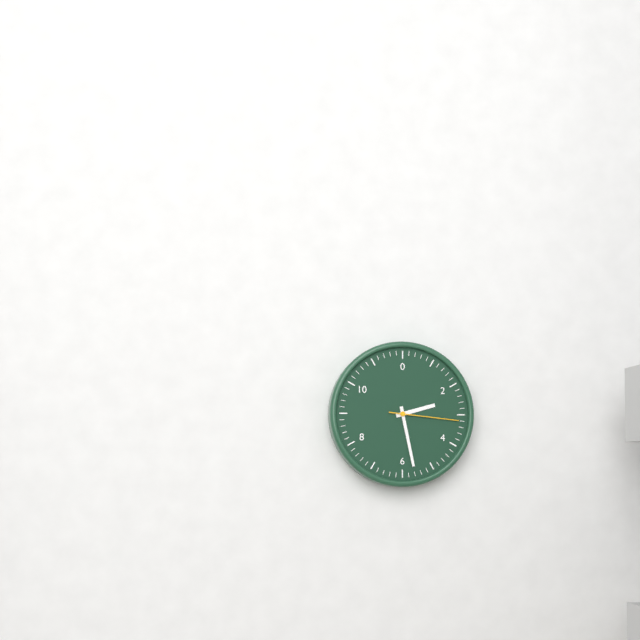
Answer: 2,28,16
